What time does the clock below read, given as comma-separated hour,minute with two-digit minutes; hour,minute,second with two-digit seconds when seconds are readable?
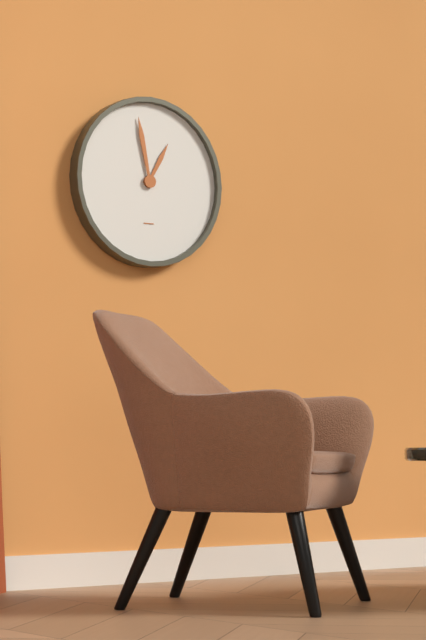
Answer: 12,58
